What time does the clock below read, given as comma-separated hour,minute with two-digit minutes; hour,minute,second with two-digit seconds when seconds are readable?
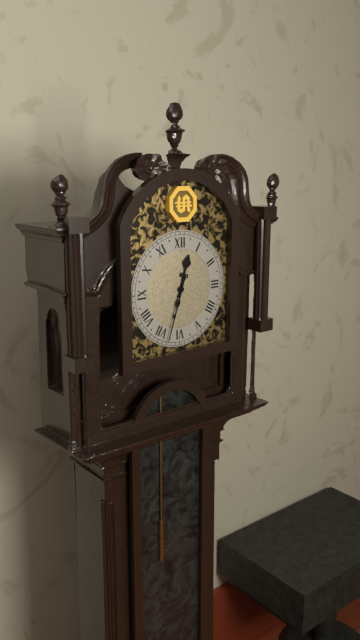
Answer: 12,33
